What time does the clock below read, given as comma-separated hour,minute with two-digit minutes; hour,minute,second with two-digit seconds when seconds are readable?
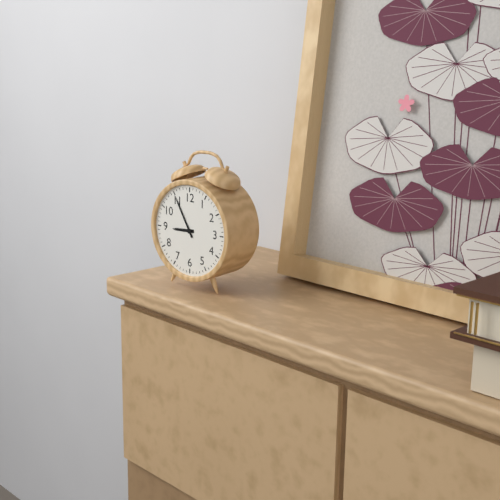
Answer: 8,55
